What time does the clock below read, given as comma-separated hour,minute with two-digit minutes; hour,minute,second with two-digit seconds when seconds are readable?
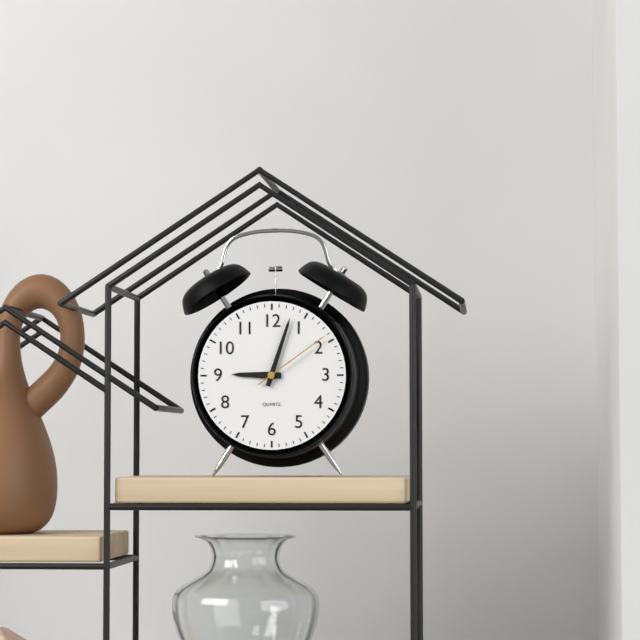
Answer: 9,03,09
